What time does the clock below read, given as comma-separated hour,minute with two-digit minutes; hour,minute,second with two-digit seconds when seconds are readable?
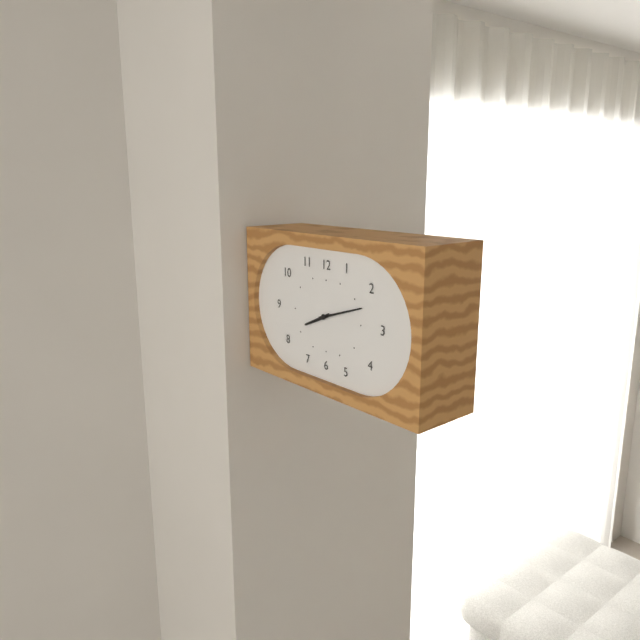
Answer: 8,12
